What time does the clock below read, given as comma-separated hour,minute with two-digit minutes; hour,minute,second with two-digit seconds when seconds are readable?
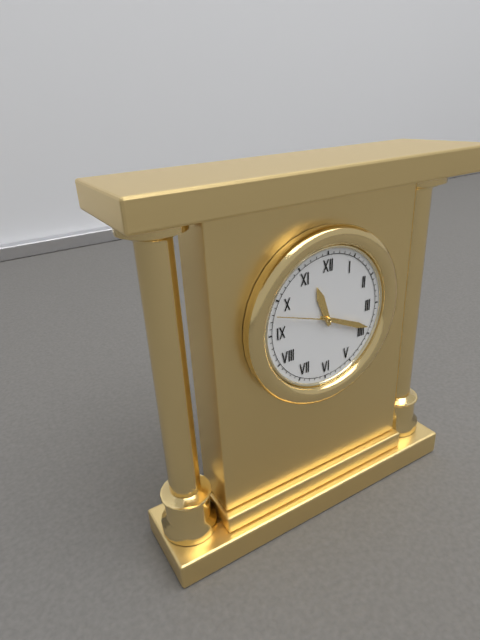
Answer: 11,19
